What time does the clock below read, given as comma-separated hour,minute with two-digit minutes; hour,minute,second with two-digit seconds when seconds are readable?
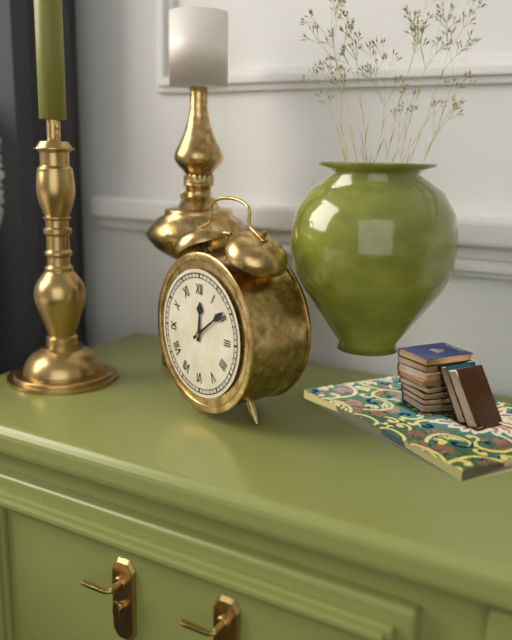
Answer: 12,09
